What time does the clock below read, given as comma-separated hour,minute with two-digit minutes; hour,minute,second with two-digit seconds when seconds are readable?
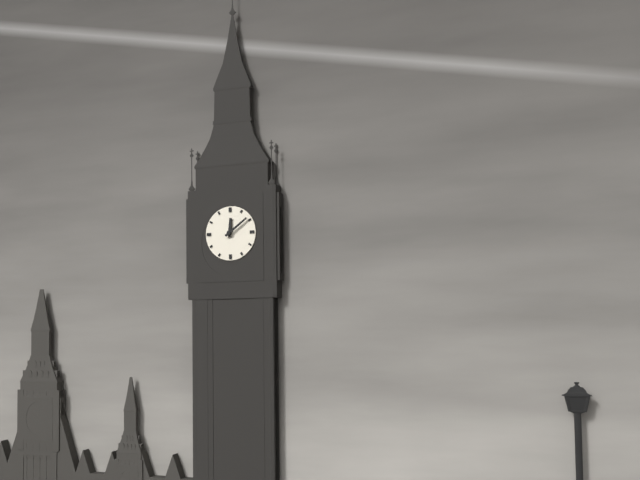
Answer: 12,09
